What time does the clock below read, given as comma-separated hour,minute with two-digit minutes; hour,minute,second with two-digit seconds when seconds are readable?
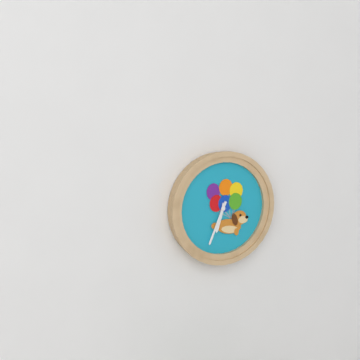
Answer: 6,34
